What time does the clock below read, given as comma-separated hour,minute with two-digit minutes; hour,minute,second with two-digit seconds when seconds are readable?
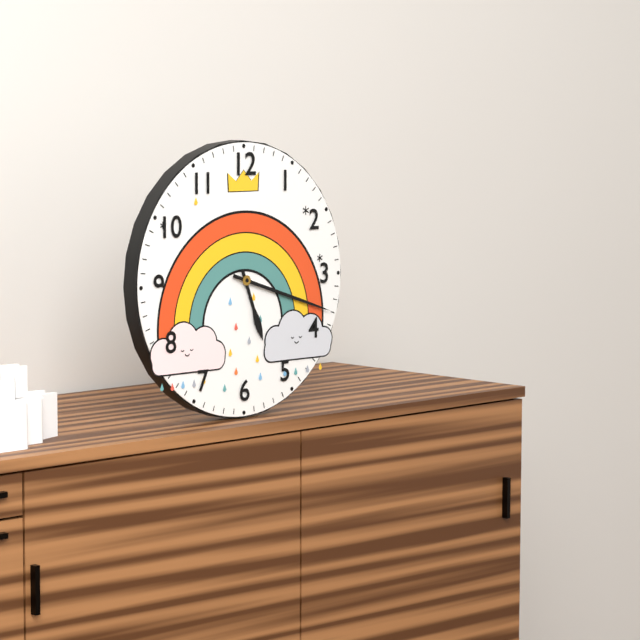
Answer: 5,18
